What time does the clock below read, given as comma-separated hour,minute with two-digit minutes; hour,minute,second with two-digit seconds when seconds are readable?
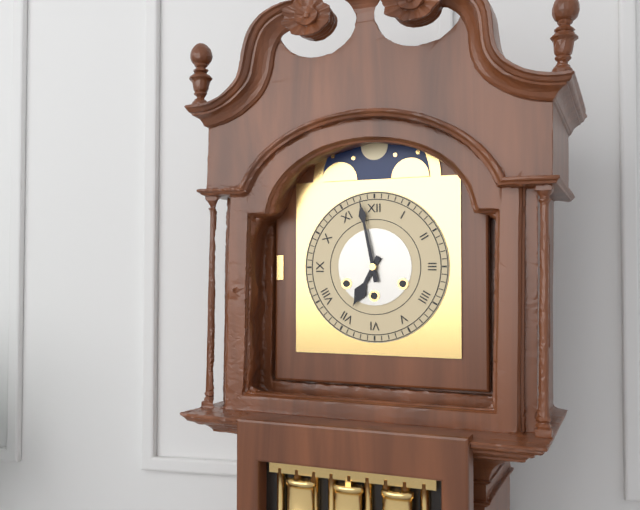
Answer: 6,58
